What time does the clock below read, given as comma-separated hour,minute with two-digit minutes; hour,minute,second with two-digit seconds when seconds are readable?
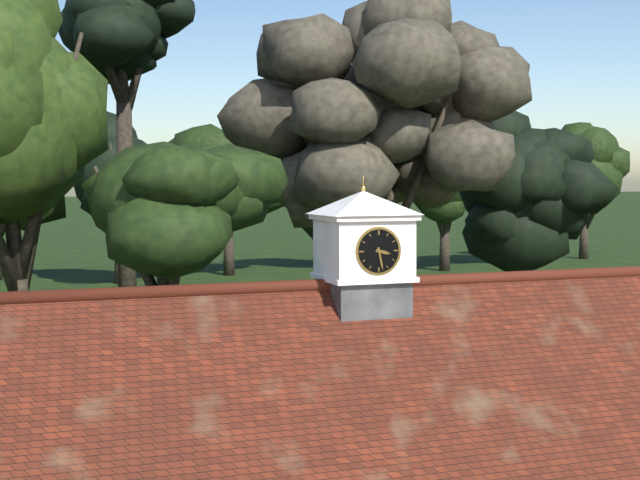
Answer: 3,28
